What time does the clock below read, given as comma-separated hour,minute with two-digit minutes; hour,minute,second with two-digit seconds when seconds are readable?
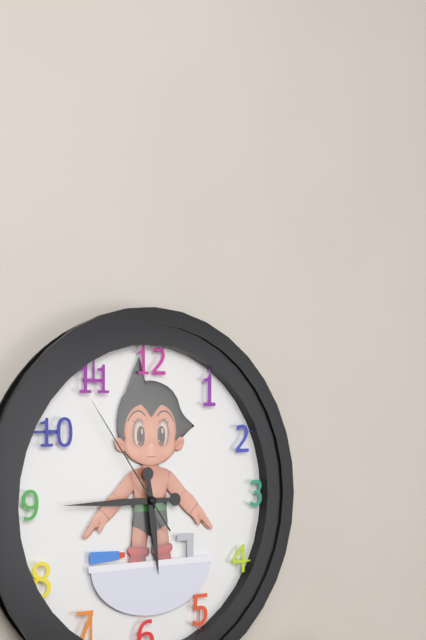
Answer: 5,45,54
